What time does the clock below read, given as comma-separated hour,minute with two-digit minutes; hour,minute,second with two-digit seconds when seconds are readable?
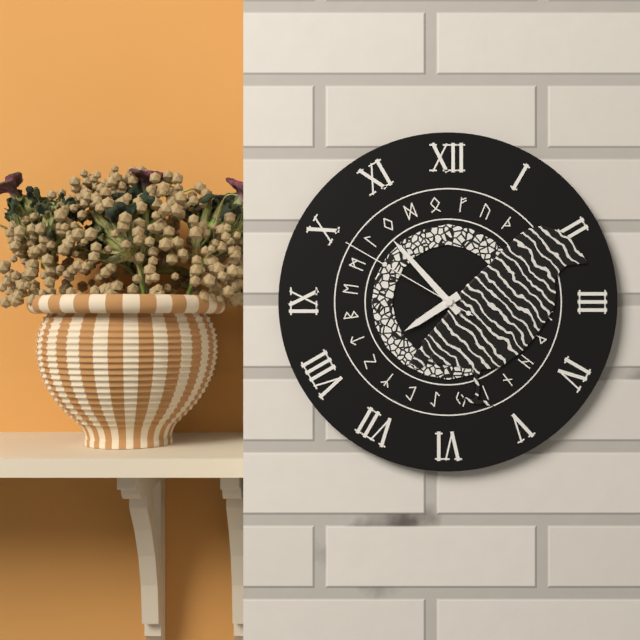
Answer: 7,53,50
